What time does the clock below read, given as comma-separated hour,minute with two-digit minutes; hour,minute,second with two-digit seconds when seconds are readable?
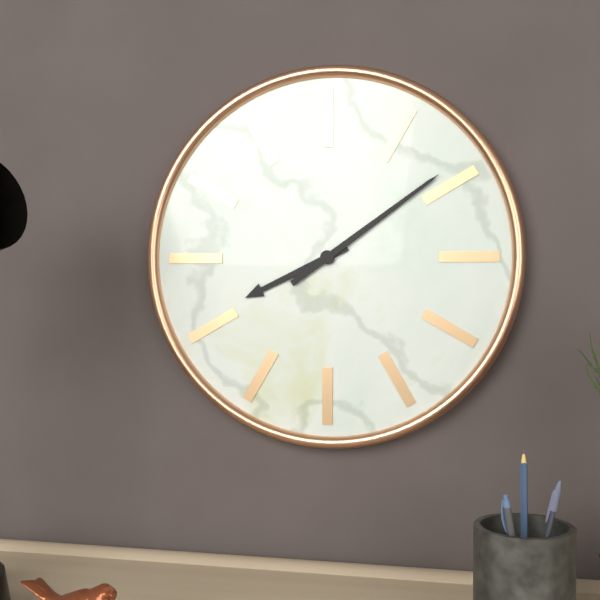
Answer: 8,09
